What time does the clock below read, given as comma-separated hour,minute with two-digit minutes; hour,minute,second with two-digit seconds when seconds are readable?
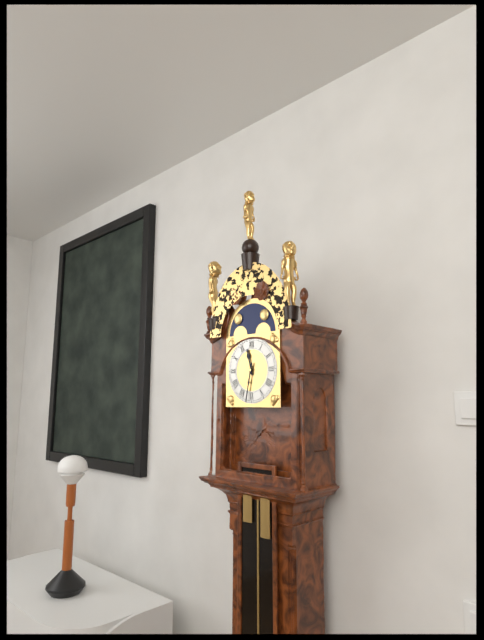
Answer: 11,32
